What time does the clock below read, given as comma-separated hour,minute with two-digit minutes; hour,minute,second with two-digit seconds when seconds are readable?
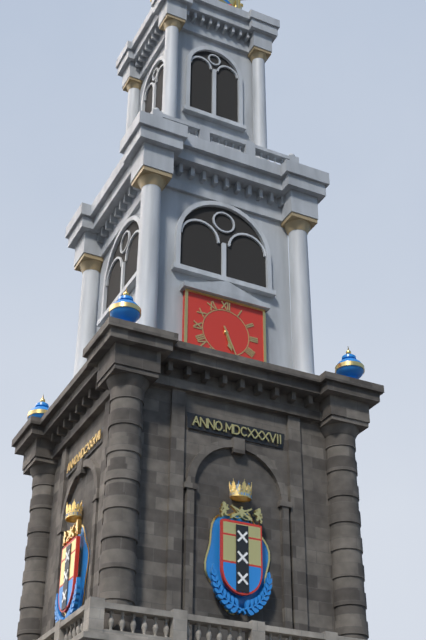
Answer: 5,26
